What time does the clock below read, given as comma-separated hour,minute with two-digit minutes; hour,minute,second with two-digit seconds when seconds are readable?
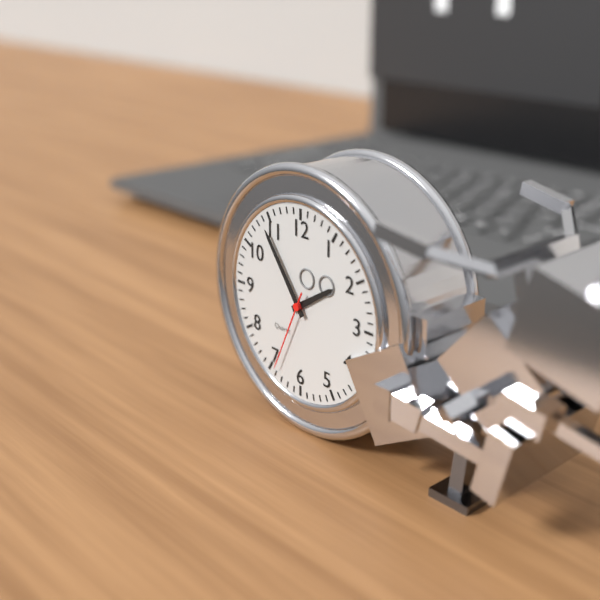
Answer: 1,54,34
